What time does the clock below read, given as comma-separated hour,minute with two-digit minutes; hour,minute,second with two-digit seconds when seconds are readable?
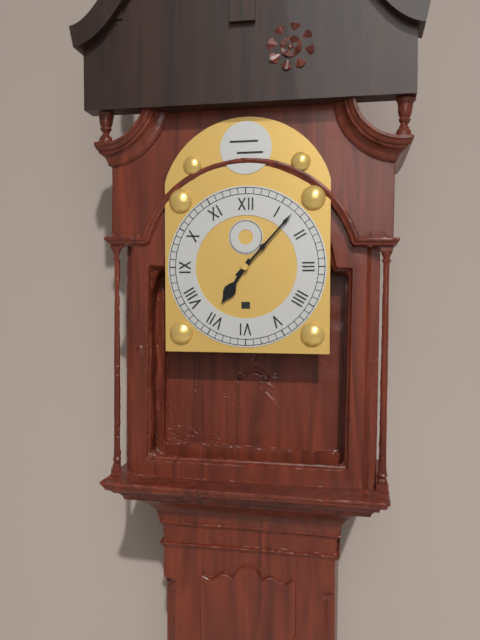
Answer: 7,07
